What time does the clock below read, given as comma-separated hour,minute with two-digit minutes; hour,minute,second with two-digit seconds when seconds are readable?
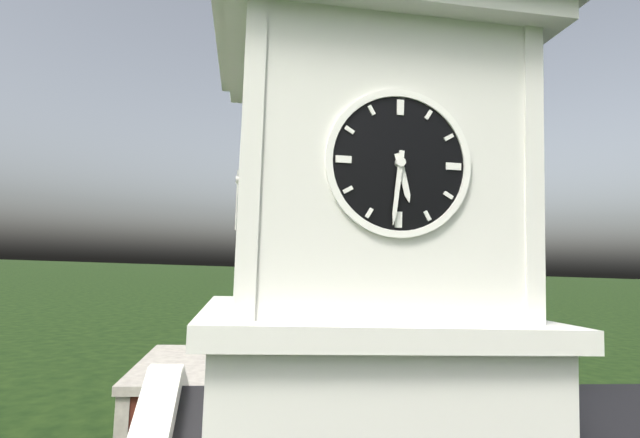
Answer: 5,31
